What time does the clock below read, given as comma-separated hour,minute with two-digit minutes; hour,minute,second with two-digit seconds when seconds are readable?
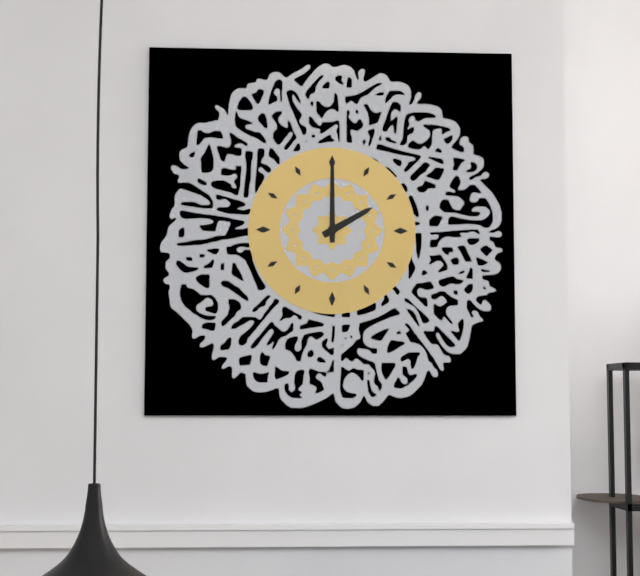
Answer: 2,00
